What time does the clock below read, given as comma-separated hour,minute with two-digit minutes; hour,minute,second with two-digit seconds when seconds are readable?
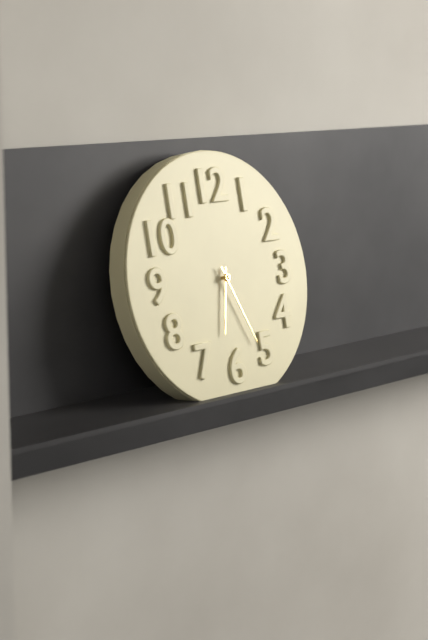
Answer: 6,26
